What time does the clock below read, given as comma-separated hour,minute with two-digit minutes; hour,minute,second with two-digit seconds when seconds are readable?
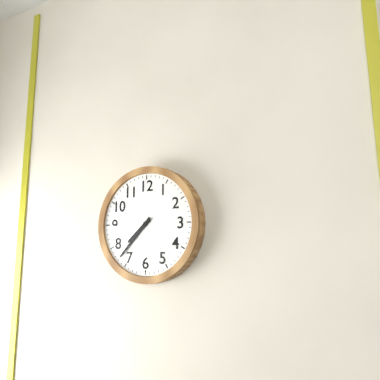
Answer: 7,37
